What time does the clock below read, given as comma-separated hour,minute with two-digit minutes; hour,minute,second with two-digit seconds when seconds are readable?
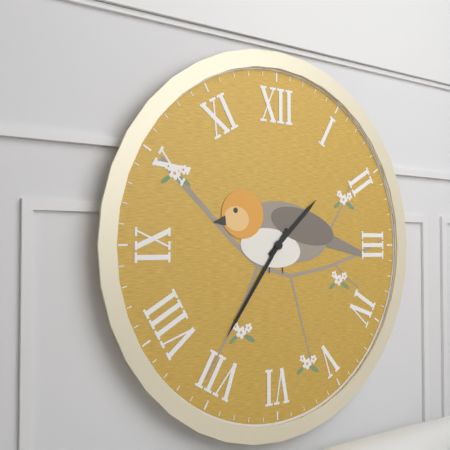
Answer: 1,36
